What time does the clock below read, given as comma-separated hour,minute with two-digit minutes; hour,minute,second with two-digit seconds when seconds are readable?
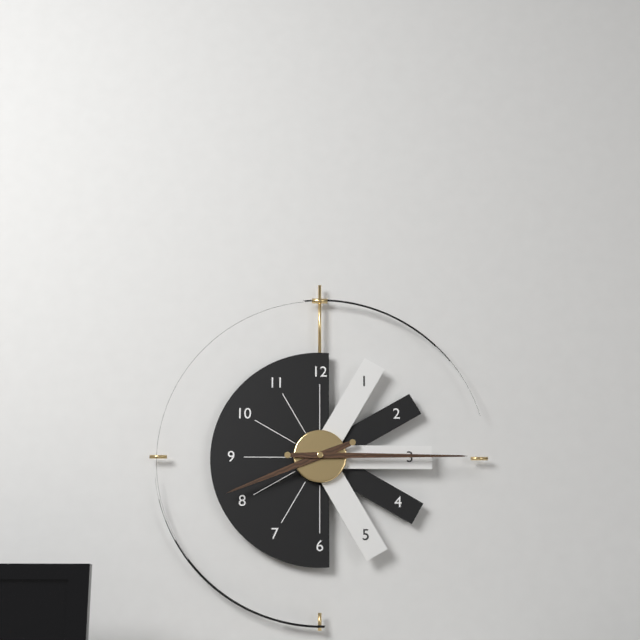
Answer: 8,15
